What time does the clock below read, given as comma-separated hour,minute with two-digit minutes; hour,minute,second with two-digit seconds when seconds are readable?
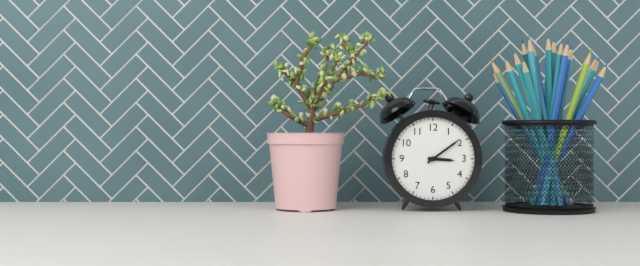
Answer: 3,09
